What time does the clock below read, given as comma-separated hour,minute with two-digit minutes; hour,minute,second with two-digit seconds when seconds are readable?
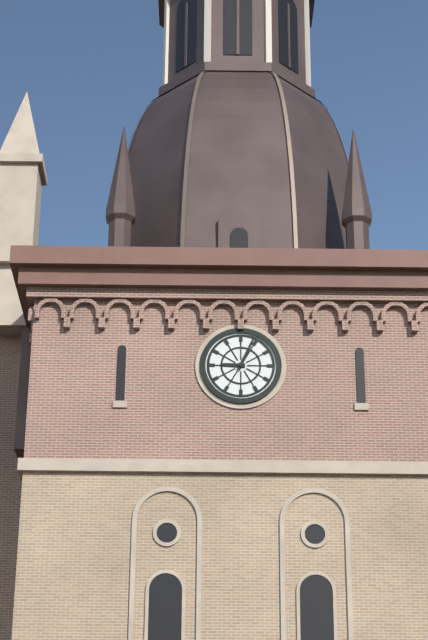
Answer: 9,04
